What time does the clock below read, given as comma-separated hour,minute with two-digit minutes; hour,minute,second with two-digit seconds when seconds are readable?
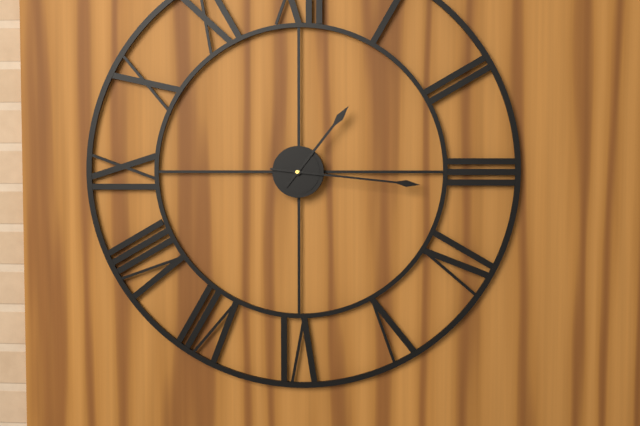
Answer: 1,16
